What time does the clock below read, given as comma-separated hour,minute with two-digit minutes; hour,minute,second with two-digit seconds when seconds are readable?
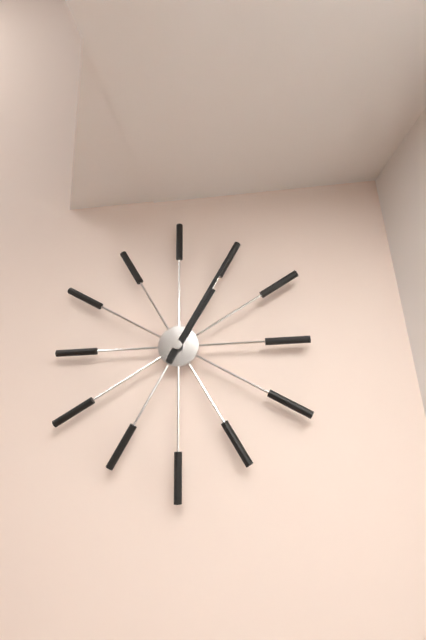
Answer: 1,05
